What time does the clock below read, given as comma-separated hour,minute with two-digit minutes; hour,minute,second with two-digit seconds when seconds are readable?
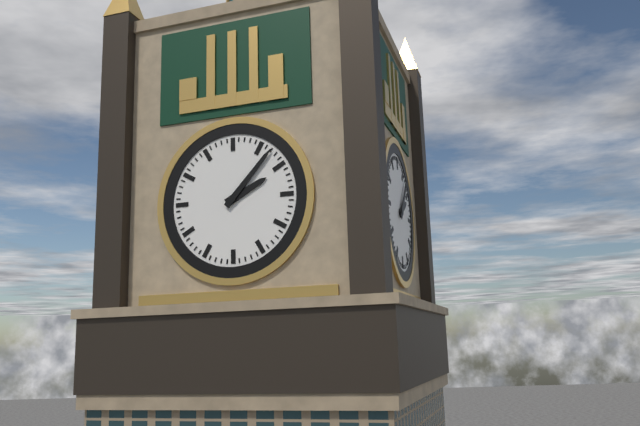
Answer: 2,07
